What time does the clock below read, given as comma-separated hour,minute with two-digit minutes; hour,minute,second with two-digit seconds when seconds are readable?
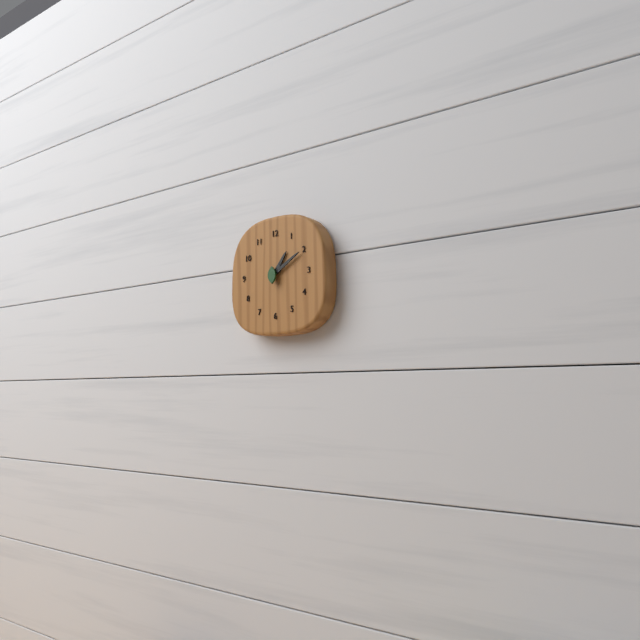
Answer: 1,10
